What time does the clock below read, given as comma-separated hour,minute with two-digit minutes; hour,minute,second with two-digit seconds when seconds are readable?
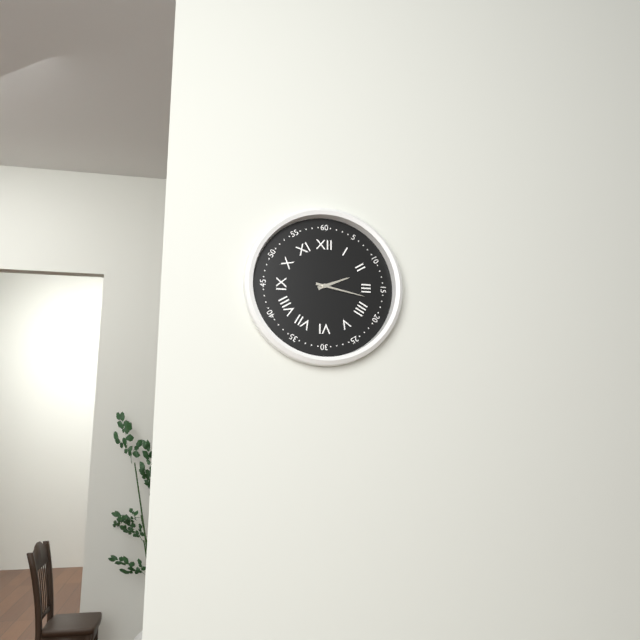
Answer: 2,17
